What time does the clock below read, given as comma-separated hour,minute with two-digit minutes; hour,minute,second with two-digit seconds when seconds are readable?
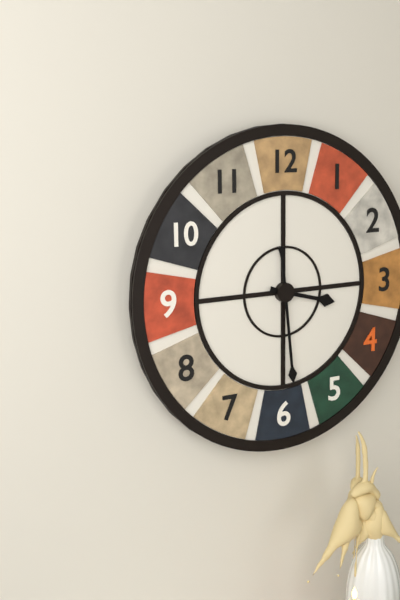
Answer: 3,29
